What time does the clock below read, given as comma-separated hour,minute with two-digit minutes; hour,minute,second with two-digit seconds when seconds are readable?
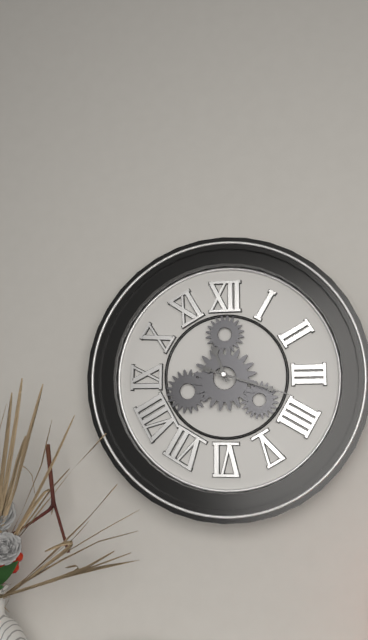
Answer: 11,18
